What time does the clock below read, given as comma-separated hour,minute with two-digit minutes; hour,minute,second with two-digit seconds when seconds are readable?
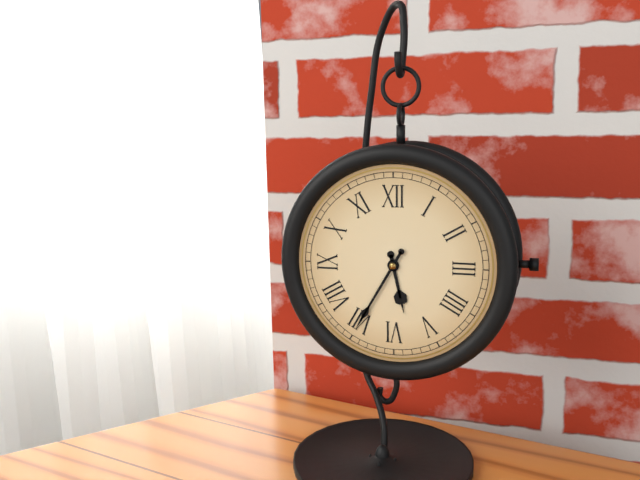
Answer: 5,35
